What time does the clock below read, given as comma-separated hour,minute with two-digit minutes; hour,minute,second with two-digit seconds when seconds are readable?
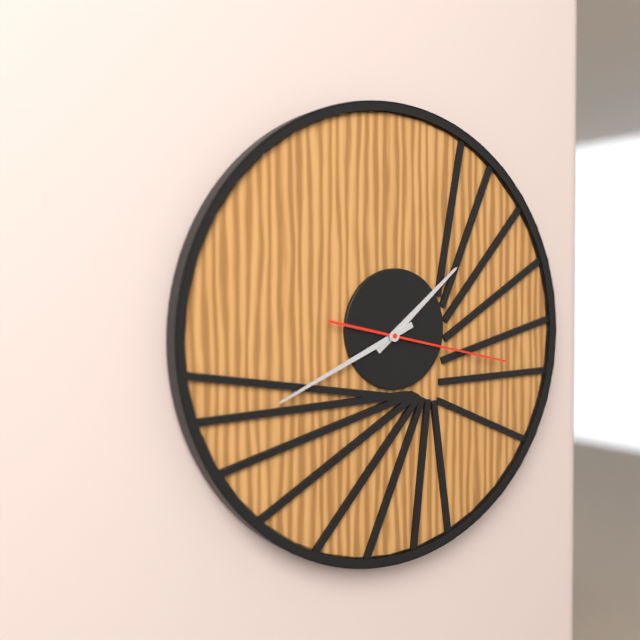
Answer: 1,41,17
